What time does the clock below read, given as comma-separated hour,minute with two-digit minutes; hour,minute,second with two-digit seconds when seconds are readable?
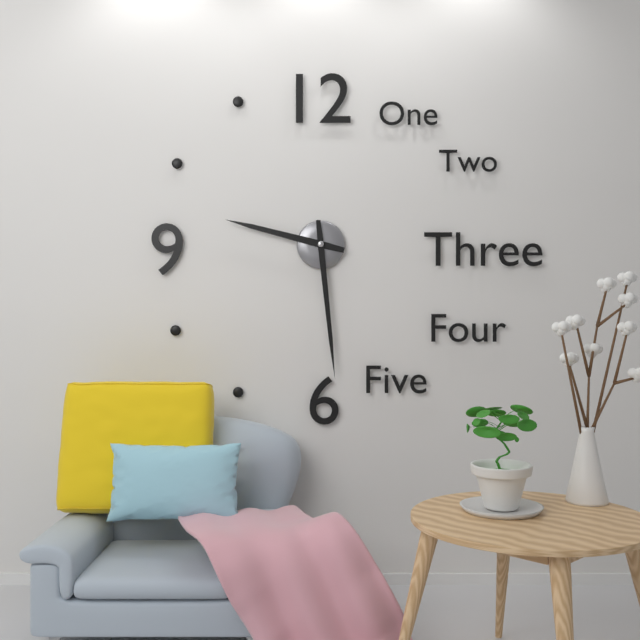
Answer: 9,29
